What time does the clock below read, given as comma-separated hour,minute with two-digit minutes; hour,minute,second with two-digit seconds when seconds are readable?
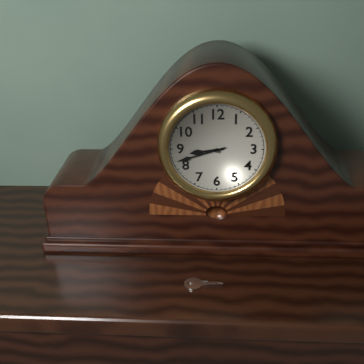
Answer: 8,42
